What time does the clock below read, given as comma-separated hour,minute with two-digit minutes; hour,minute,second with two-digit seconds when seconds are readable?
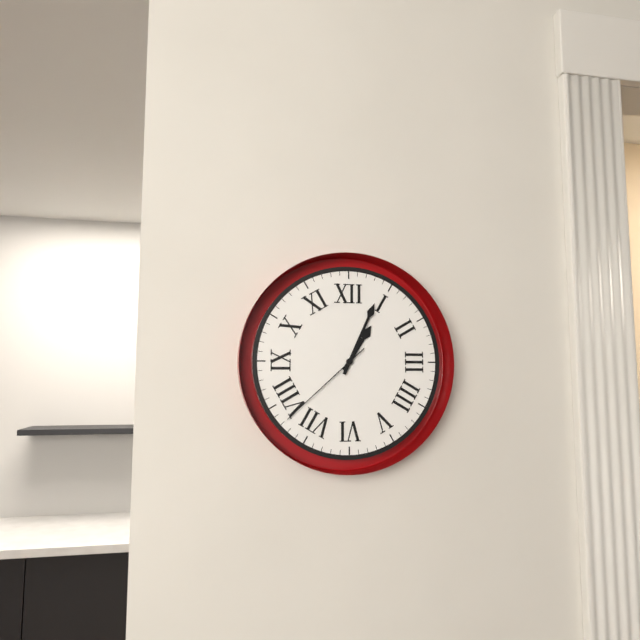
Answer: 1,04,38
